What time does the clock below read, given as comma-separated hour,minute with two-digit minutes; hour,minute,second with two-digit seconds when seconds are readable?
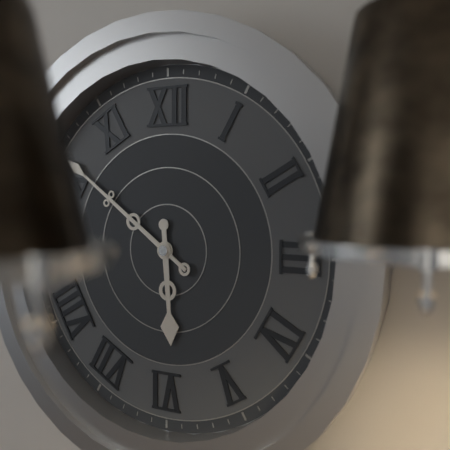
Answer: 5,51
